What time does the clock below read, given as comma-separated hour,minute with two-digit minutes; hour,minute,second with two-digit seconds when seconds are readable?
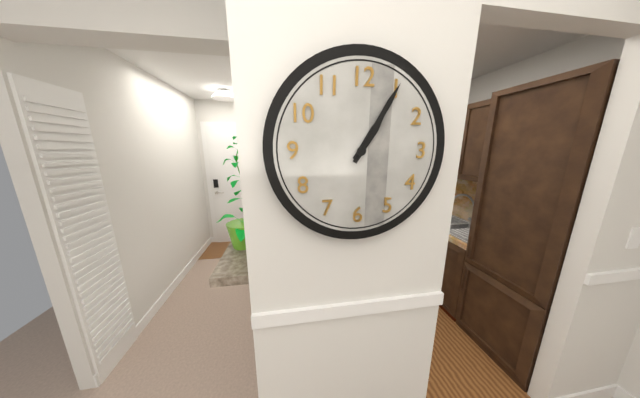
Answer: 1,05
